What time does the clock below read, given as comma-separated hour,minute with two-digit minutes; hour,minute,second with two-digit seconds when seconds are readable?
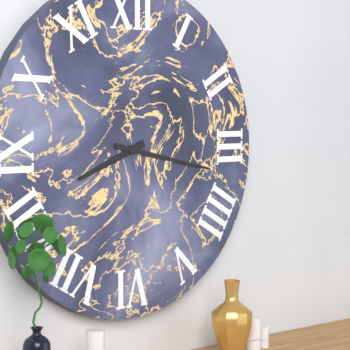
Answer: 8,17
